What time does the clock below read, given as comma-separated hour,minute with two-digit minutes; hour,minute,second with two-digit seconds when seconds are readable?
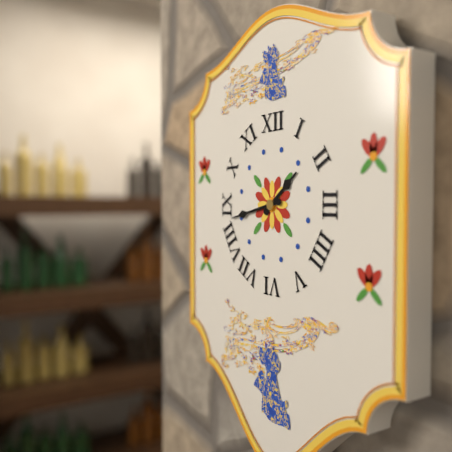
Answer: 1,43
